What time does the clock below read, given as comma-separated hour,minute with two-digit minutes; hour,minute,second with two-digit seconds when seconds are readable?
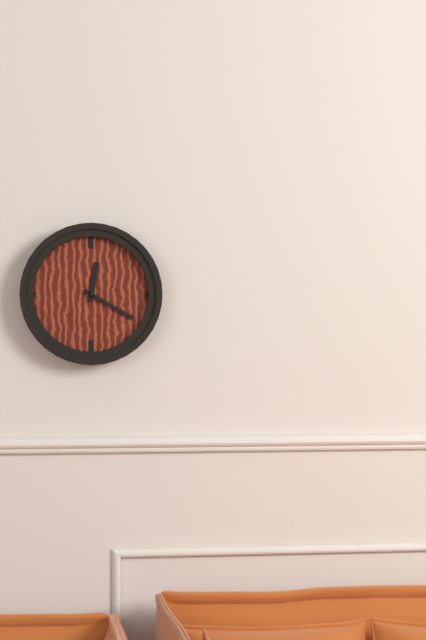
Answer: 12,20
